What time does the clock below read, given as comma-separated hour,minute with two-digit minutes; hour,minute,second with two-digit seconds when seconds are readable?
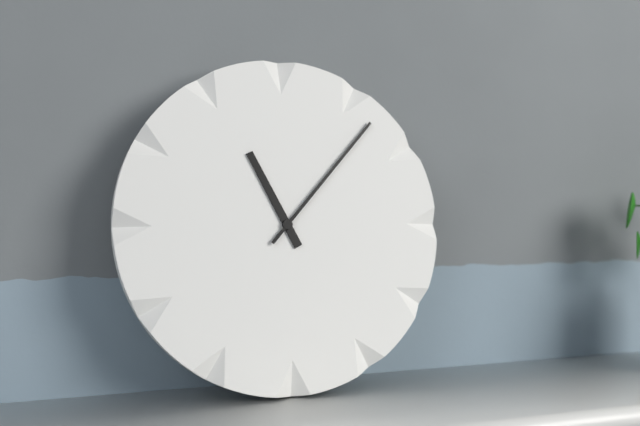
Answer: 11,07
